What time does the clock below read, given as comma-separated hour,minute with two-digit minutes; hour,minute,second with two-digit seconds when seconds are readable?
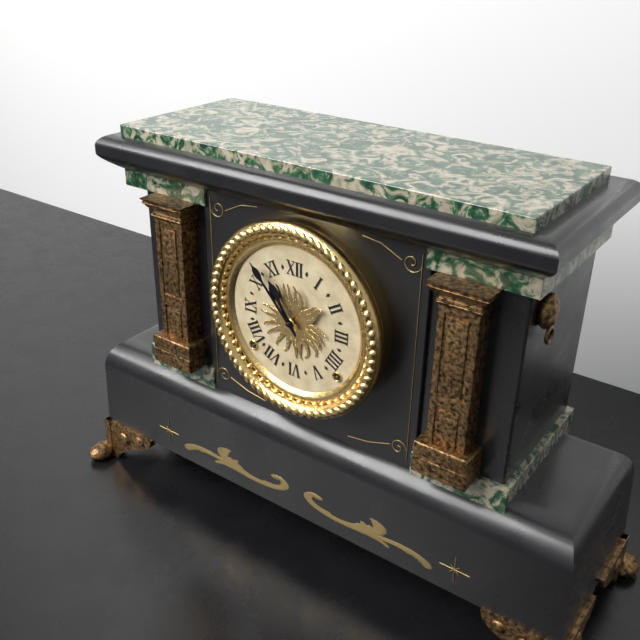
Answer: 10,53
